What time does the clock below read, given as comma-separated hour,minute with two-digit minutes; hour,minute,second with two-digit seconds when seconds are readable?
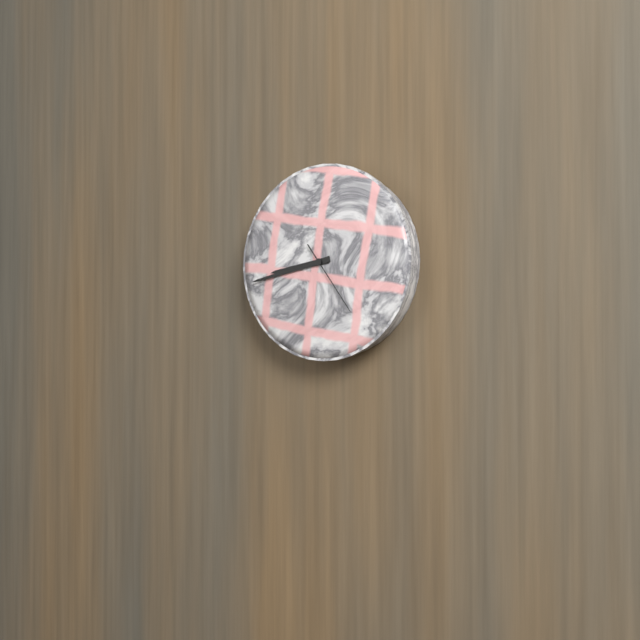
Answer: 8,43,24
